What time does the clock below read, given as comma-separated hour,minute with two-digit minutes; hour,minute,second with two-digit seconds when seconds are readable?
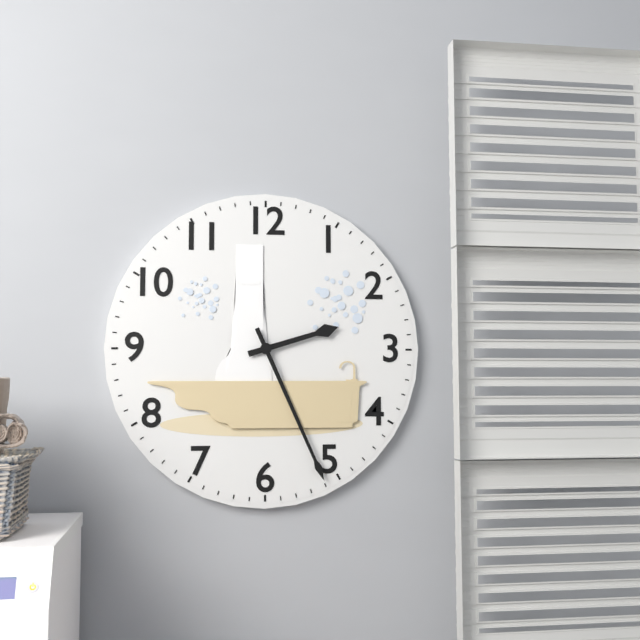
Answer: 2,26
